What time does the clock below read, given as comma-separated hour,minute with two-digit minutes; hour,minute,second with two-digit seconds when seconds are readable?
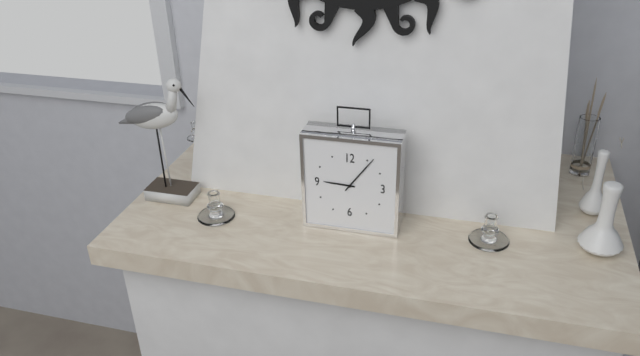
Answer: 9,06
